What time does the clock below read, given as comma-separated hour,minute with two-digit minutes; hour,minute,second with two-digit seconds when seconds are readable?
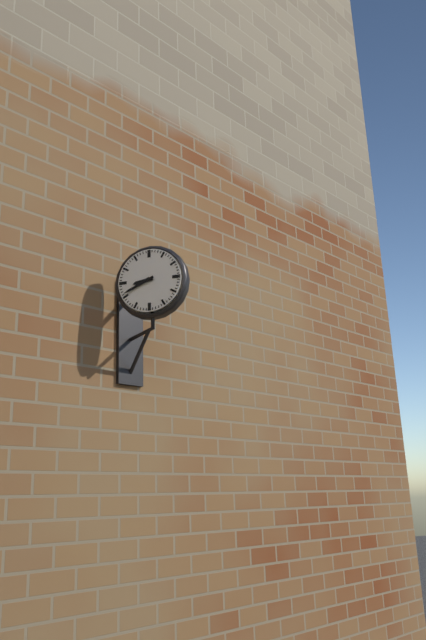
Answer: 8,41
